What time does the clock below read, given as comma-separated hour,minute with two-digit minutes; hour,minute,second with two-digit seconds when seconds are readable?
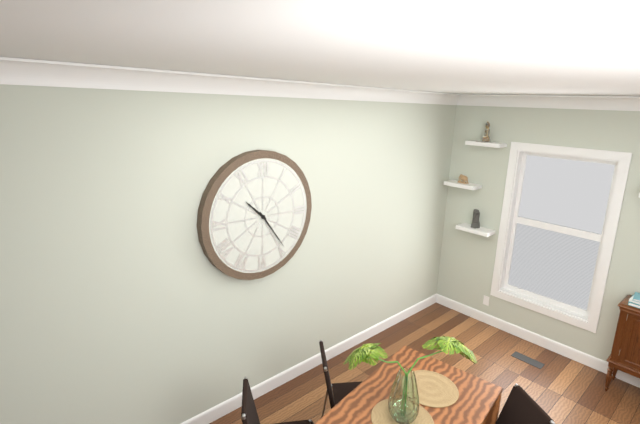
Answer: 10,24
